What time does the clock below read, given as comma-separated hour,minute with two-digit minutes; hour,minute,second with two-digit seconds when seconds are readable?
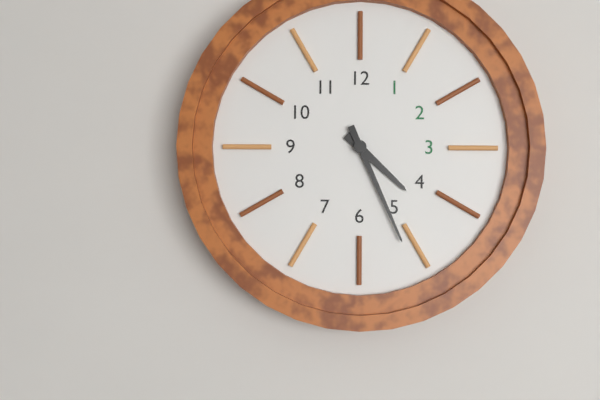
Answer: 4,26
